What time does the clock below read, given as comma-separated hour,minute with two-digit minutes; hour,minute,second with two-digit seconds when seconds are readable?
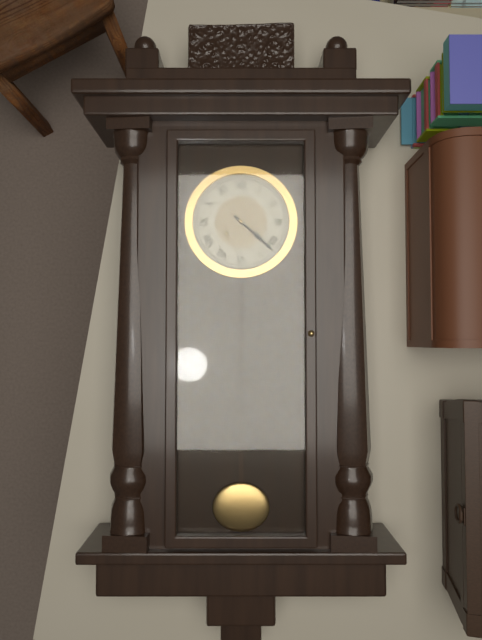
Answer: 4,22
